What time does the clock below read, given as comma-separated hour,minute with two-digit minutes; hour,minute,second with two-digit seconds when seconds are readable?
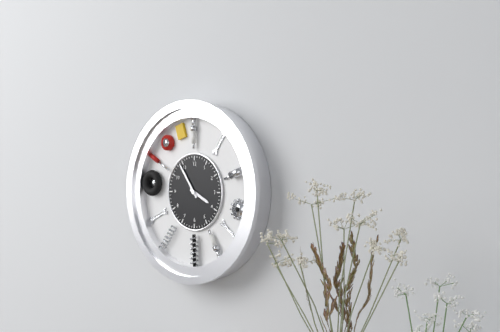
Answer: 3,54
